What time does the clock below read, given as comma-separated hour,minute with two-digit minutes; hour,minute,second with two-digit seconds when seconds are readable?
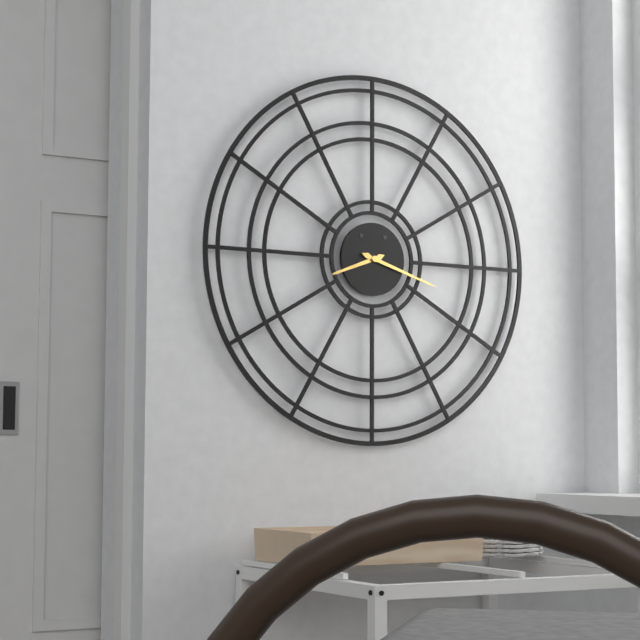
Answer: 8,18
